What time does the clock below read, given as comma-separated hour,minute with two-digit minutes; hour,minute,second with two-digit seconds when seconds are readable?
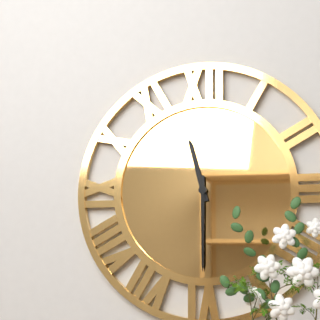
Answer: 11,30
